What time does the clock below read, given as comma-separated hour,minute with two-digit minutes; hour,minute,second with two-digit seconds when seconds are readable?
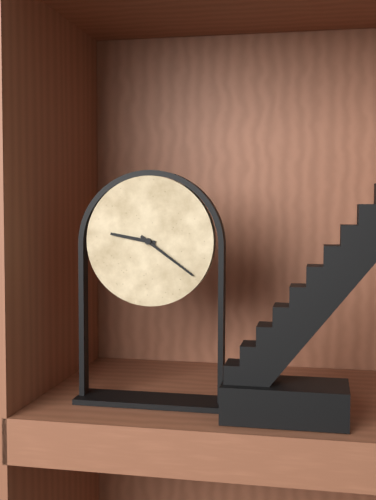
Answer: 9,21
